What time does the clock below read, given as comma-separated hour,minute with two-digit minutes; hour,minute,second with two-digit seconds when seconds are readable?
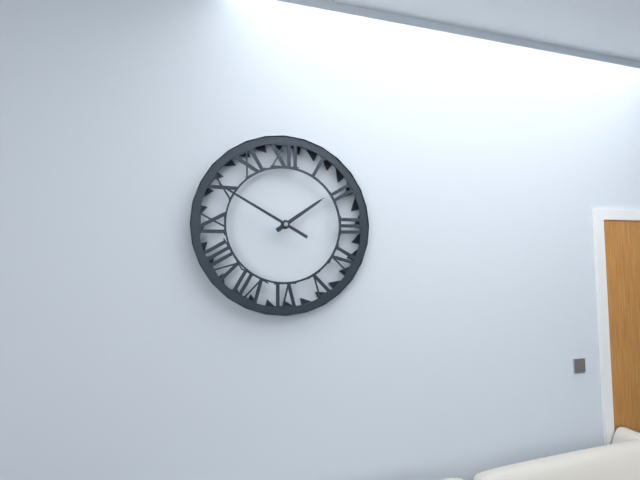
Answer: 1,50
